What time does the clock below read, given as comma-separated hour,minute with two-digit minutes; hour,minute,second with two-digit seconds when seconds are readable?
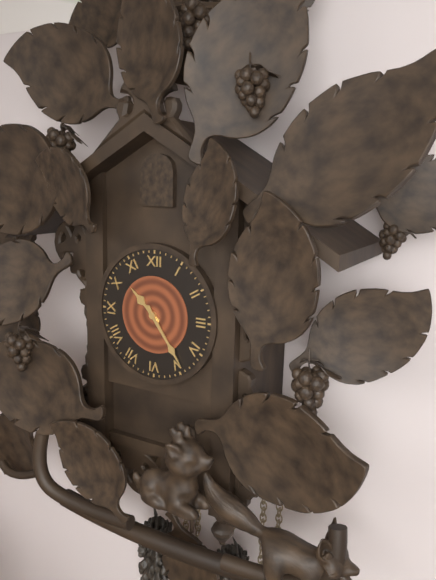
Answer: 10,24
